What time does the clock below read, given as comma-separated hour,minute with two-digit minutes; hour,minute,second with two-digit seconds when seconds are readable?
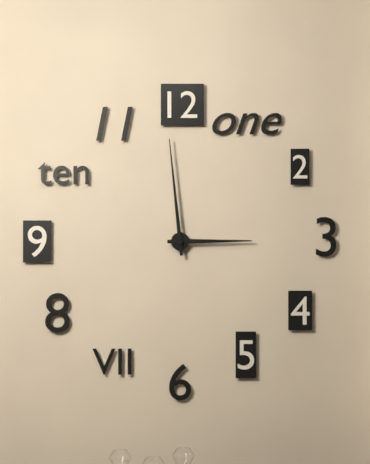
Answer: 2,59
